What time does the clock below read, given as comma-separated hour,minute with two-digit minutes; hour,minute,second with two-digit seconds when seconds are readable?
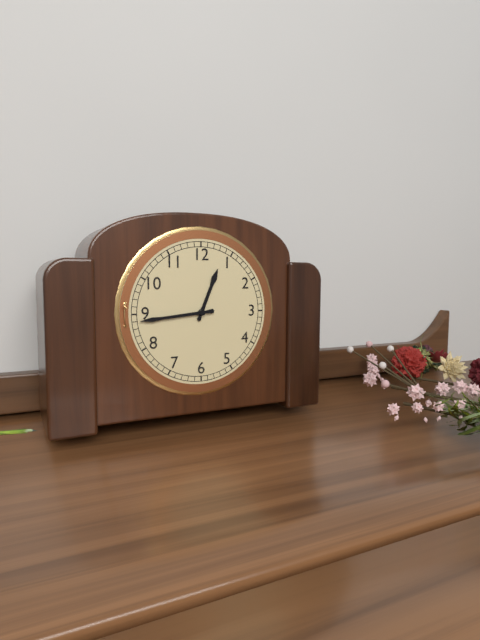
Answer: 12,44
